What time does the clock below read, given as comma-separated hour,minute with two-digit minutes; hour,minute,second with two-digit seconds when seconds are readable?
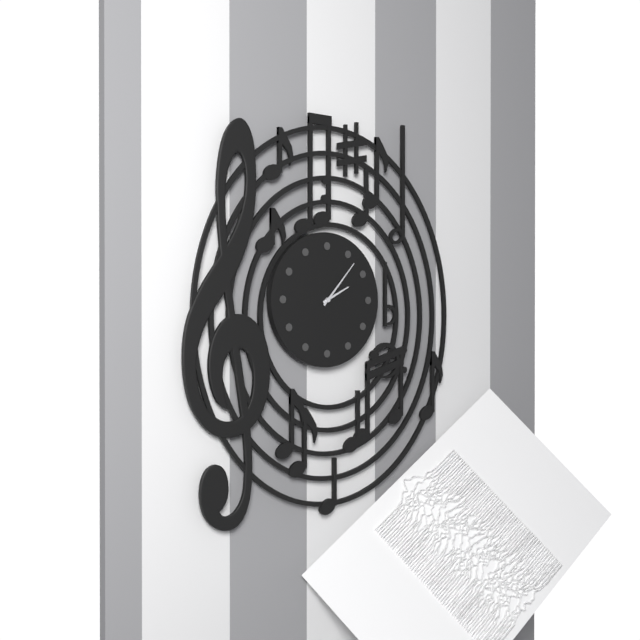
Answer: 2,07
